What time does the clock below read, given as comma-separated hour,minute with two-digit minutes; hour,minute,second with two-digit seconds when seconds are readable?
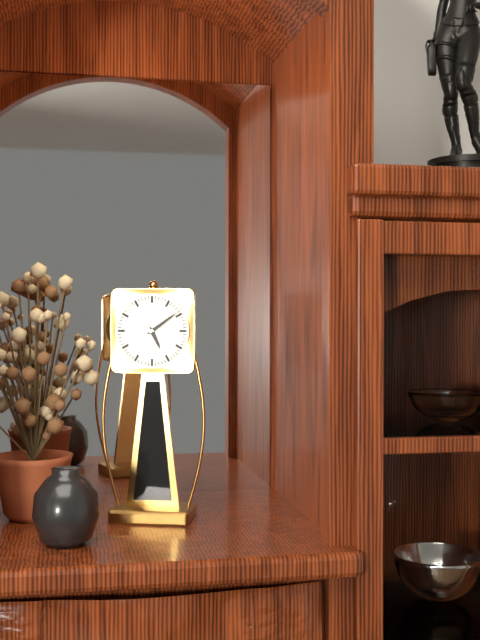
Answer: 5,09
